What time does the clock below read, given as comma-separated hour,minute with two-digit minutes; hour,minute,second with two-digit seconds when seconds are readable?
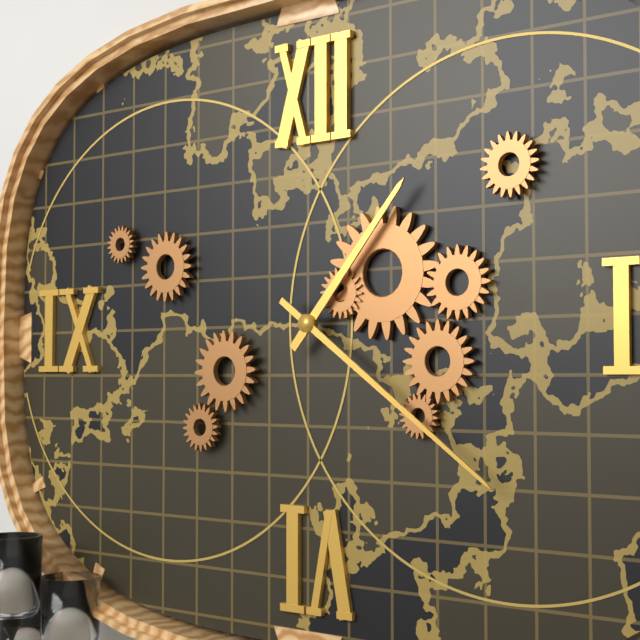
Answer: 1,21
